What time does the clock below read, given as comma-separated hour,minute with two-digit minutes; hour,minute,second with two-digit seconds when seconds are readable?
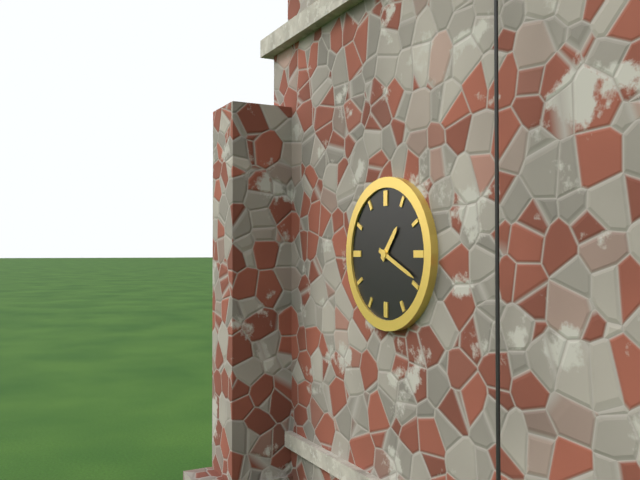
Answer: 1,19
